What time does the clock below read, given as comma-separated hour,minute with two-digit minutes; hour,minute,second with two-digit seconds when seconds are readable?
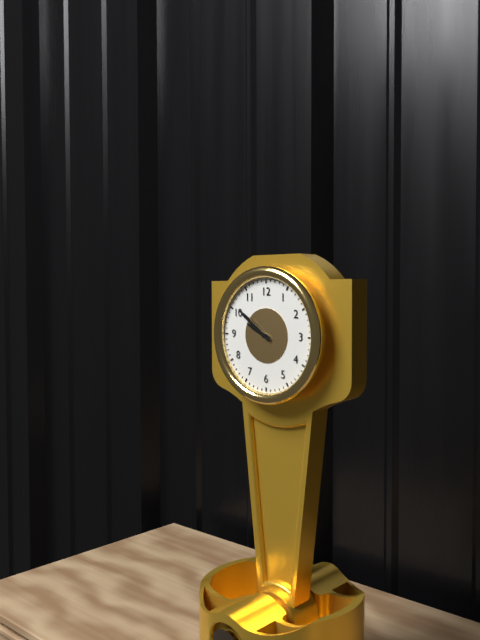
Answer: 9,51
